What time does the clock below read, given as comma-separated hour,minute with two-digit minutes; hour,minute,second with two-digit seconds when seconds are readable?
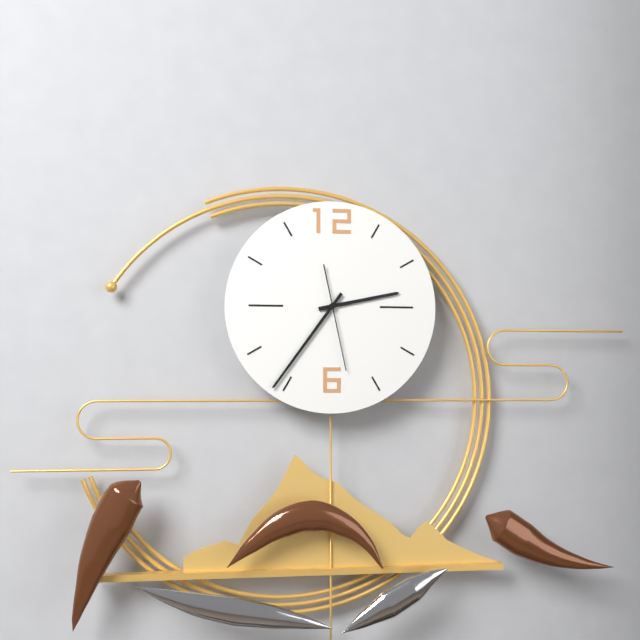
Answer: 2,36,28
